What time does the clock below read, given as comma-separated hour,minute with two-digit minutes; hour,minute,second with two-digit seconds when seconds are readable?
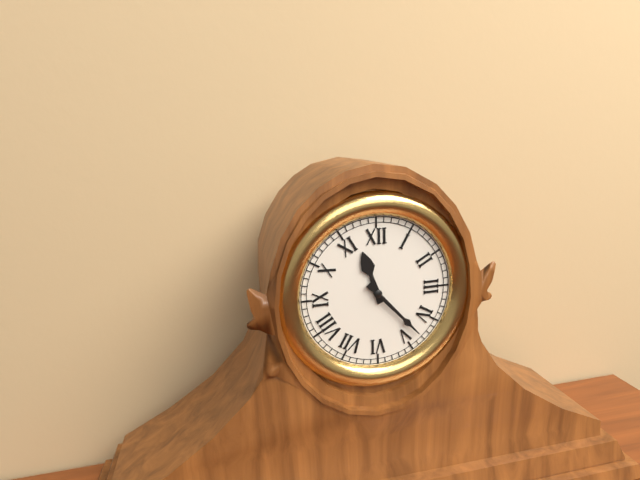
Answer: 11,23
